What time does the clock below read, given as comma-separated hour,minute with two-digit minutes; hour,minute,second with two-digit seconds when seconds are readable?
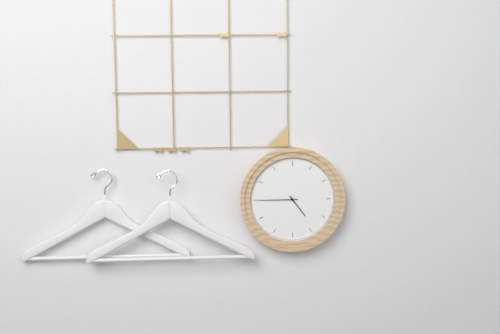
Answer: 4,45
